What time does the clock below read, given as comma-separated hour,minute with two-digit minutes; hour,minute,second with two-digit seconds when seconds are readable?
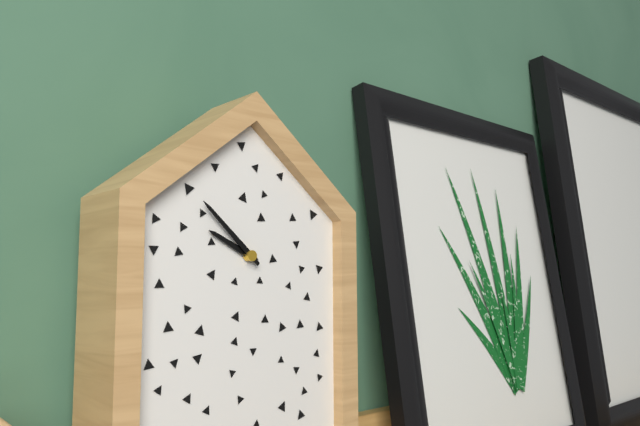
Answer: 9,52
